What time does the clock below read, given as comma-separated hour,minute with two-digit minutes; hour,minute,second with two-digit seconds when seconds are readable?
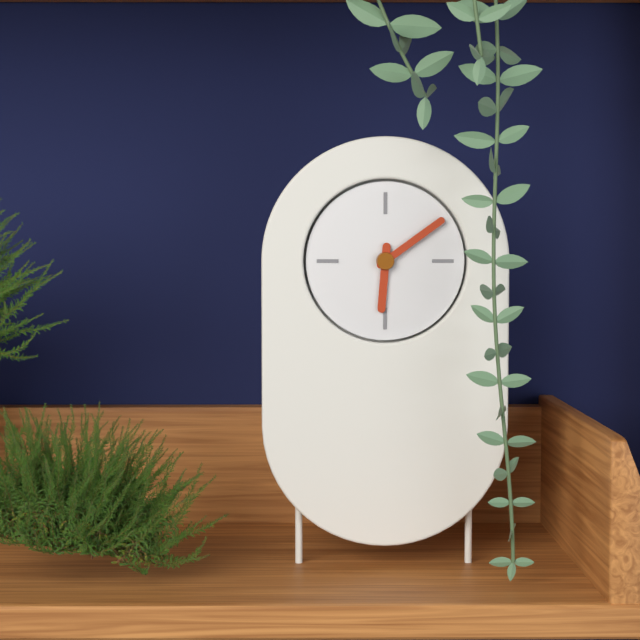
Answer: 6,09
